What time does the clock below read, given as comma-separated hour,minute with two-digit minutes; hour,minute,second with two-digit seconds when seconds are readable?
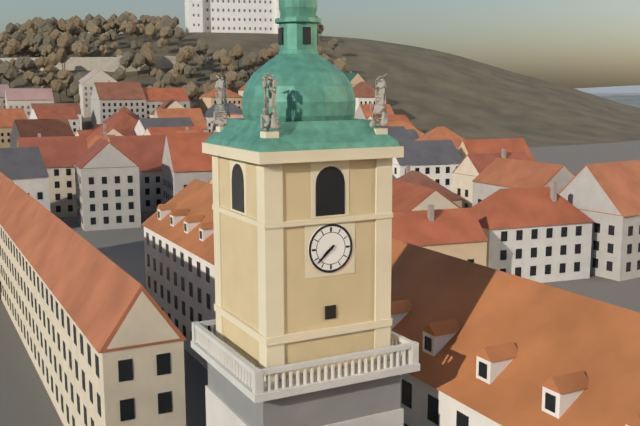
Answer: 7,38
